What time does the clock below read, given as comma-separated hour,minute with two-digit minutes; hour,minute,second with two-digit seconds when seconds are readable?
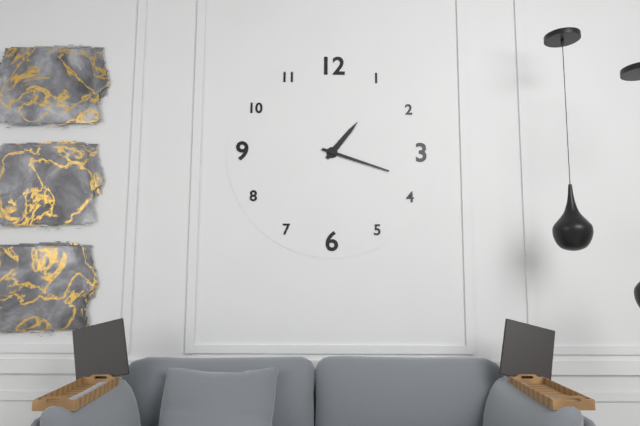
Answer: 1,18
